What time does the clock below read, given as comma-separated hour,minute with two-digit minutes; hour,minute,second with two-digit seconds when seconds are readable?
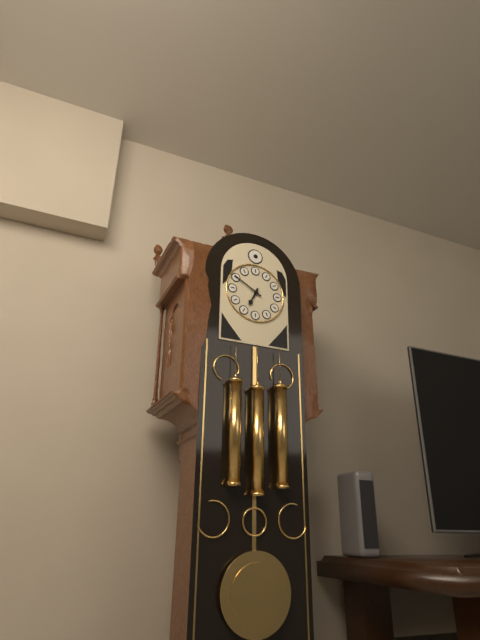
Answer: 6,50
